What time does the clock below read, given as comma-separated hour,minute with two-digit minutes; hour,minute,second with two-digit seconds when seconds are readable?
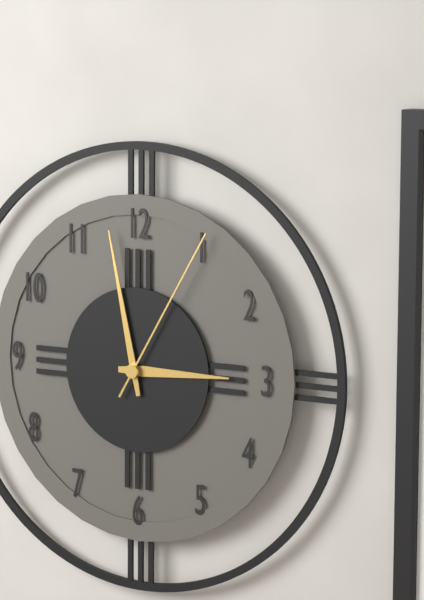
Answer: 2,58,05
